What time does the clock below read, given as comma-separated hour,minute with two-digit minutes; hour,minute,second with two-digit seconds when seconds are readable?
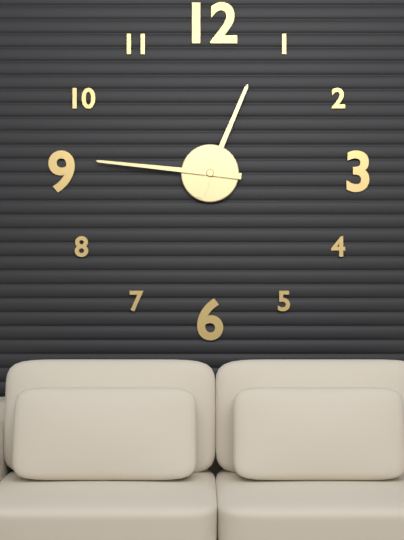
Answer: 12,46
